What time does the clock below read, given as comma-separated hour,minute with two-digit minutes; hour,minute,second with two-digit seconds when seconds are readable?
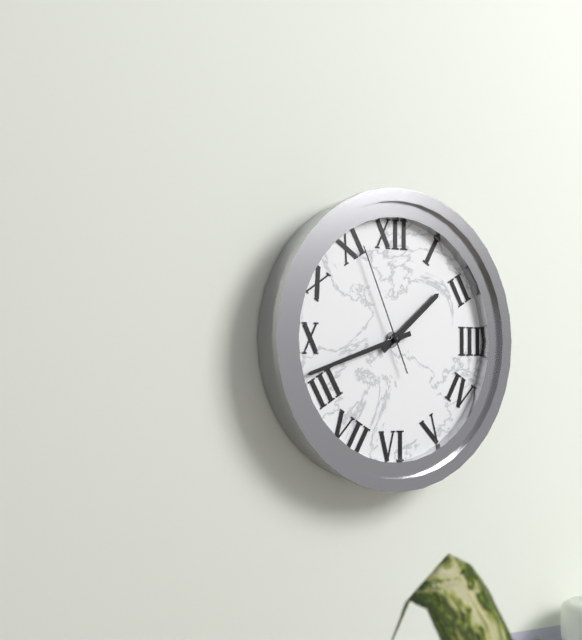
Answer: 1,42,56
